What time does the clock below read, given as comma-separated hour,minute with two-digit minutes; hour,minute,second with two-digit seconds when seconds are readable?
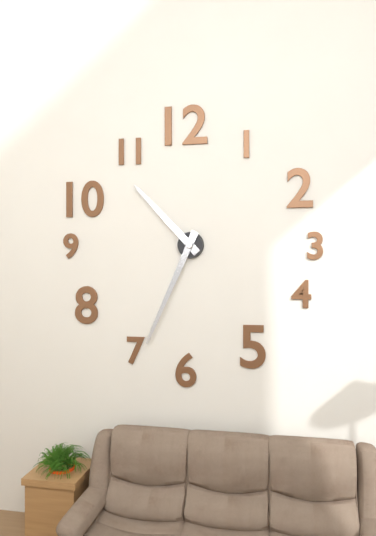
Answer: 10,34
